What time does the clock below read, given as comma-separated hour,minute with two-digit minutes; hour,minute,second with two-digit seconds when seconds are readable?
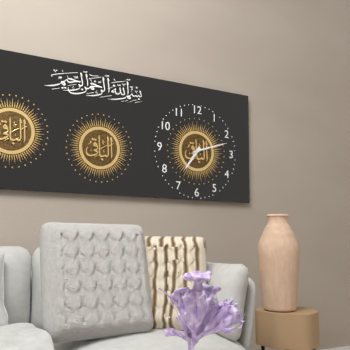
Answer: 7,12
